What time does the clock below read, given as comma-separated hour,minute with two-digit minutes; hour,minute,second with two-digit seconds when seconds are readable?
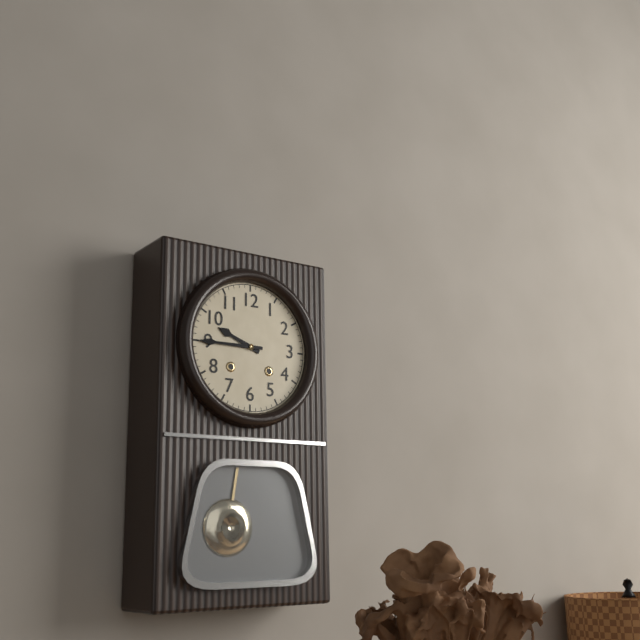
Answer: 9,45
